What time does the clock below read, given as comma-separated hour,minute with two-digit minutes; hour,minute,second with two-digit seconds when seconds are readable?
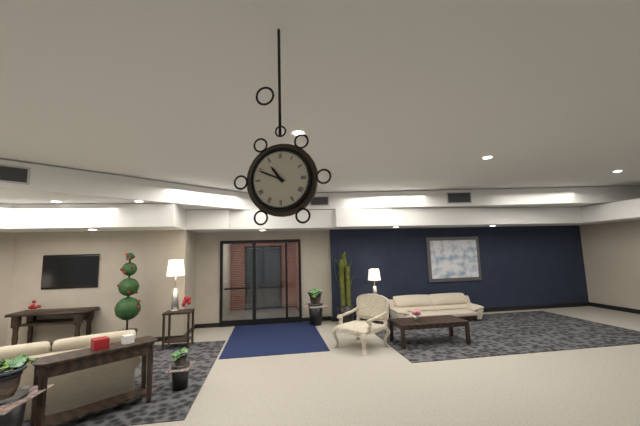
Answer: 10,49
